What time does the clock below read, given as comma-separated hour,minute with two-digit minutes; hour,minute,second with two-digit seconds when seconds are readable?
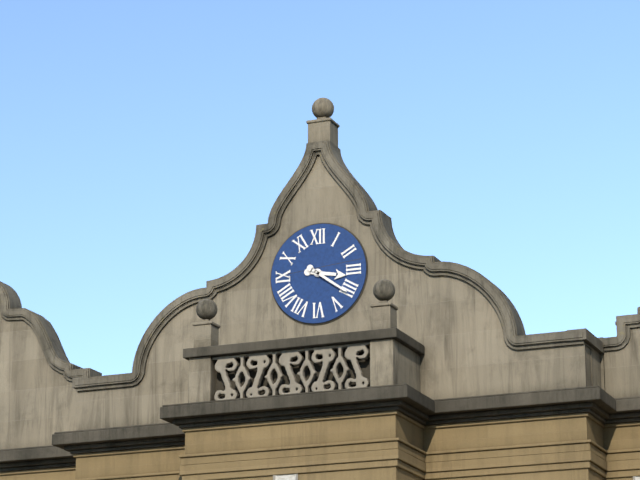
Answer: 3,21
